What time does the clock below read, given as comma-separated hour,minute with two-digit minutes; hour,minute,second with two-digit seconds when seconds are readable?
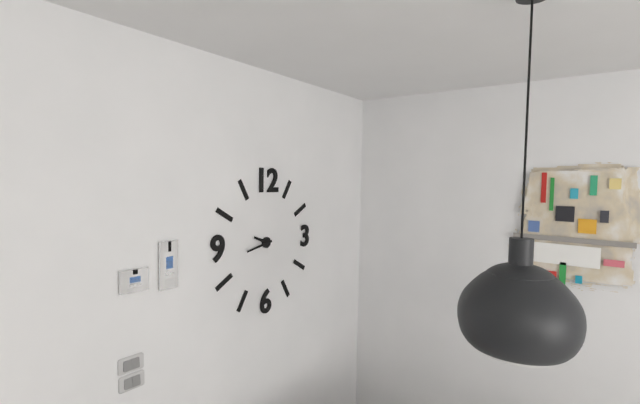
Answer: 9,43
